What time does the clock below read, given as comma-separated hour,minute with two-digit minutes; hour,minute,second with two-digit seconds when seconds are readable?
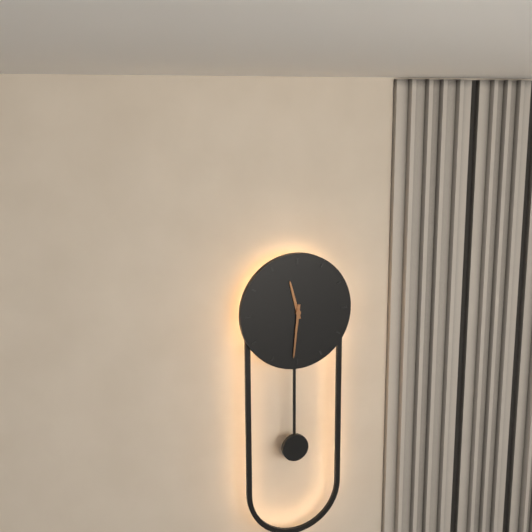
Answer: 11,31
